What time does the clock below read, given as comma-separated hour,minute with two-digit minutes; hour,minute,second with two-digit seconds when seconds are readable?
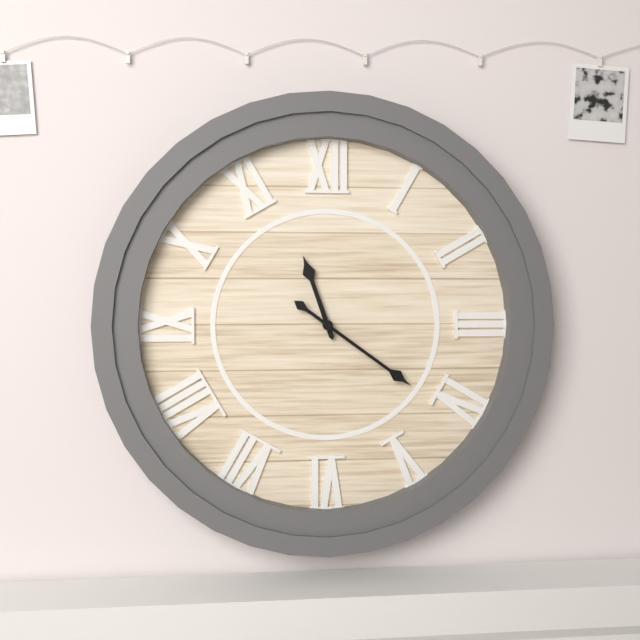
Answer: 11,21
